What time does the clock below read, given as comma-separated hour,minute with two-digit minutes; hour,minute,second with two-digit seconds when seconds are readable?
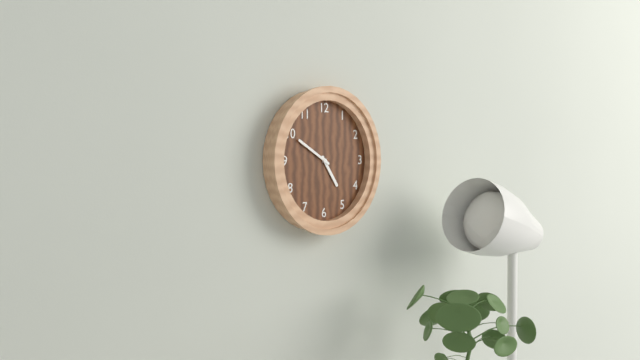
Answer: 4,50
